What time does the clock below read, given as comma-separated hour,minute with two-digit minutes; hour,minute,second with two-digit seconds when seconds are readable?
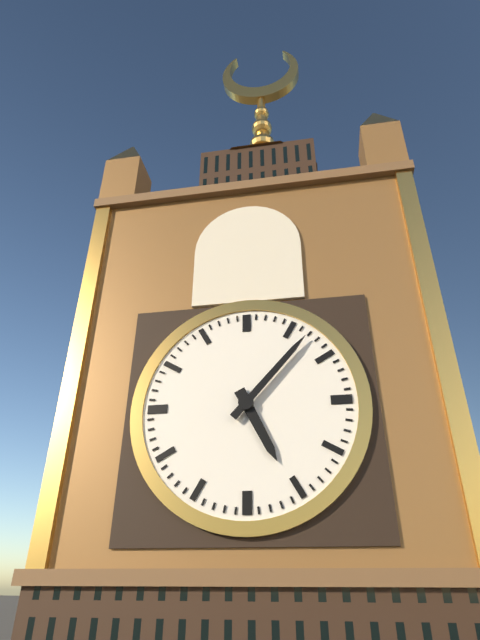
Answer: 5,07
